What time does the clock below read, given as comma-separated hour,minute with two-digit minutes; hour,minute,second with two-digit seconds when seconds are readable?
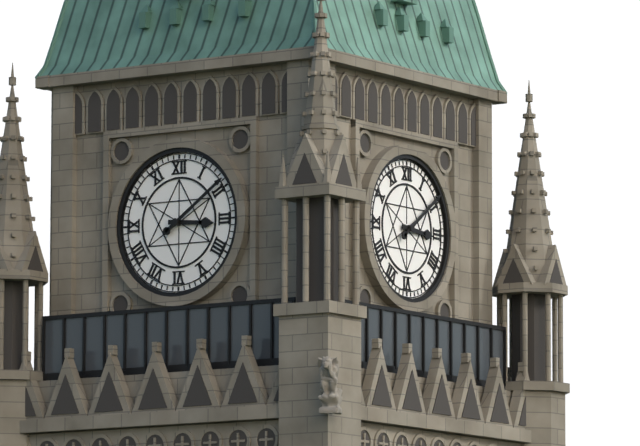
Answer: 3,09
